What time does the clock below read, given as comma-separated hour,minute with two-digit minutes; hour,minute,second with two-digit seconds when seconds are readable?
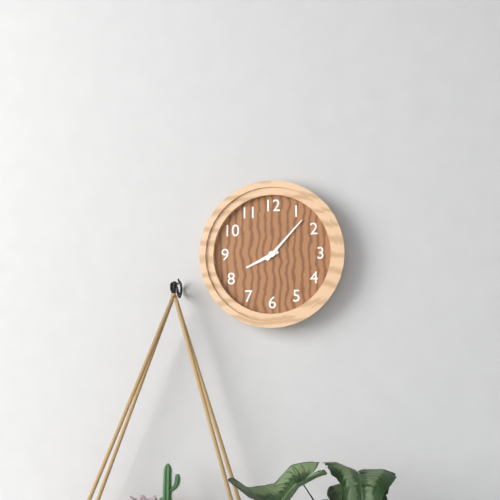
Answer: 8,07
